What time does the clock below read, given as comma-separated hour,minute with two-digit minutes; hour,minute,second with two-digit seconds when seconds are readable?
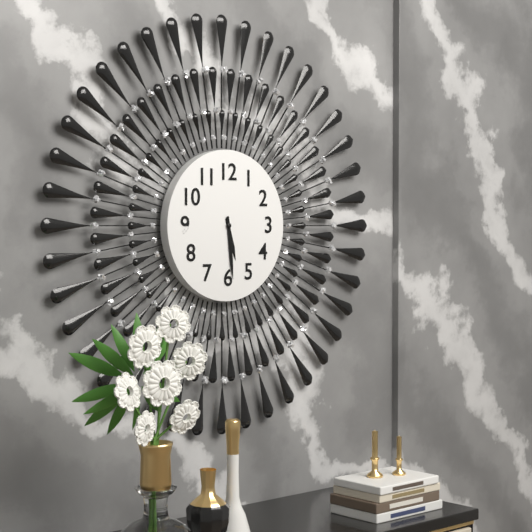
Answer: 5,29
